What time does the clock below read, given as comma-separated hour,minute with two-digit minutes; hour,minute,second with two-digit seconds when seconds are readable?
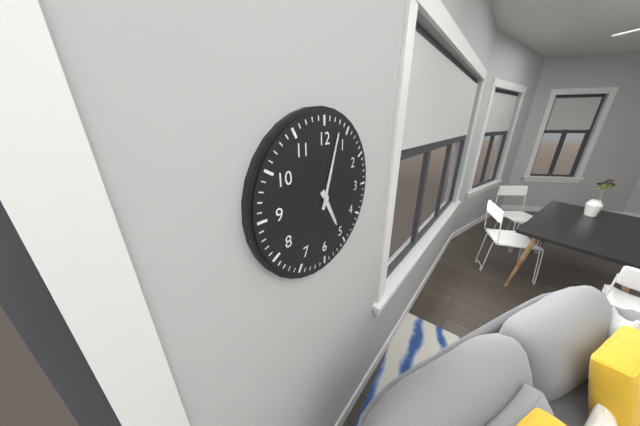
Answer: 5,03
